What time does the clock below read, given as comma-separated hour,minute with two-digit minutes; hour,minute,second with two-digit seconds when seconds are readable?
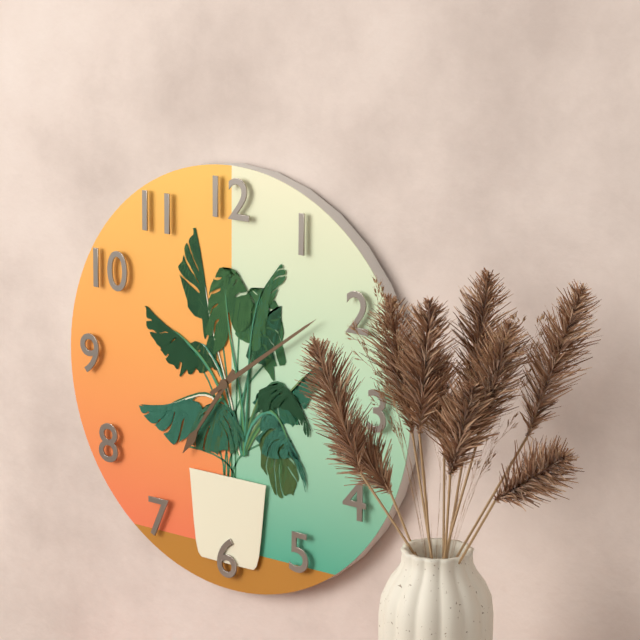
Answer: 7,09
